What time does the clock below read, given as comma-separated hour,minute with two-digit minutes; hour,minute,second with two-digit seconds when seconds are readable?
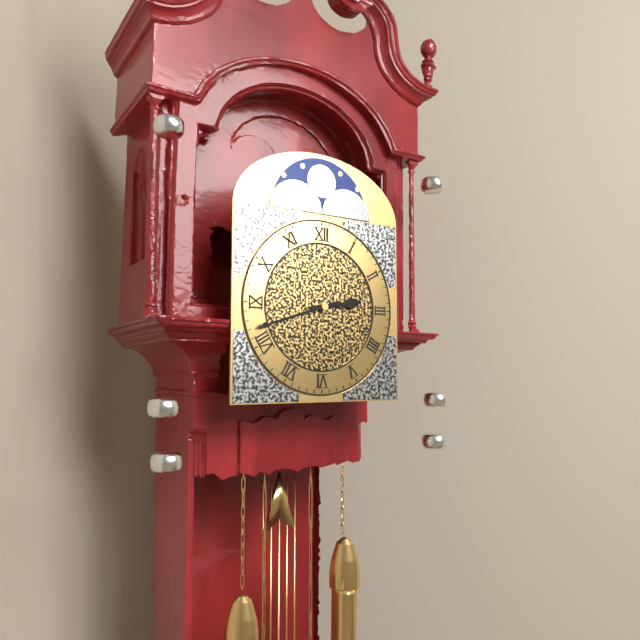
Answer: 2,42
